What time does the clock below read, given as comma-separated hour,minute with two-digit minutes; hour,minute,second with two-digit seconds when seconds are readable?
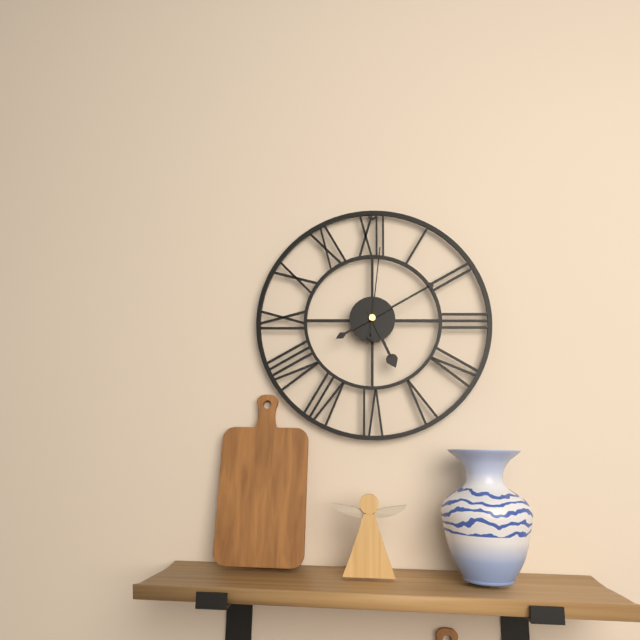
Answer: 5,10,01
